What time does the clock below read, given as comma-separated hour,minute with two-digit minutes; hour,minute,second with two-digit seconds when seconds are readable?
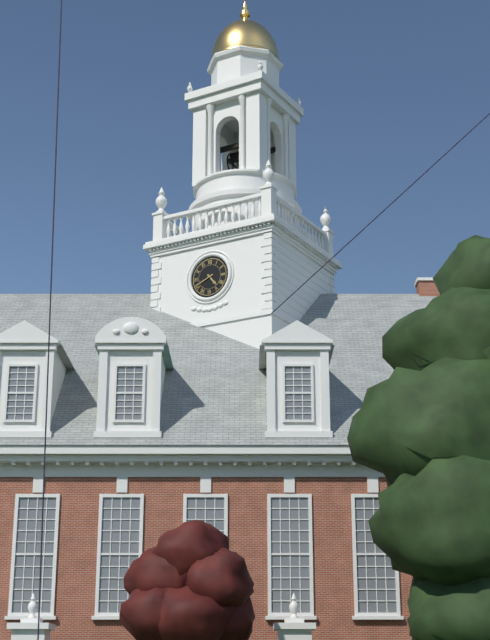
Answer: 4,41
